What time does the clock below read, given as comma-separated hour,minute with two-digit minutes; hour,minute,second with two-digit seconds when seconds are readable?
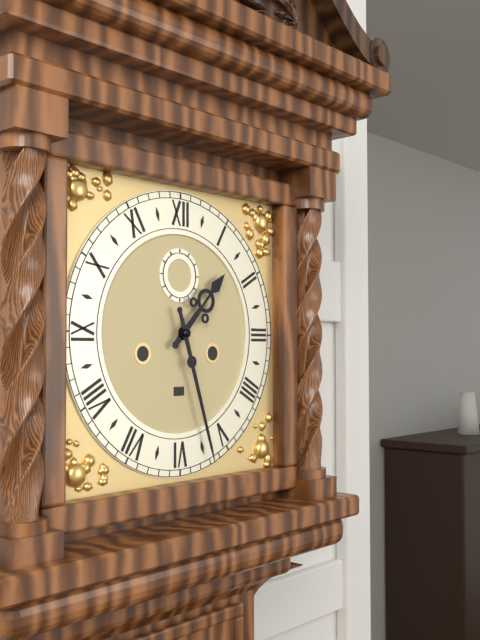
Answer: 1,27
